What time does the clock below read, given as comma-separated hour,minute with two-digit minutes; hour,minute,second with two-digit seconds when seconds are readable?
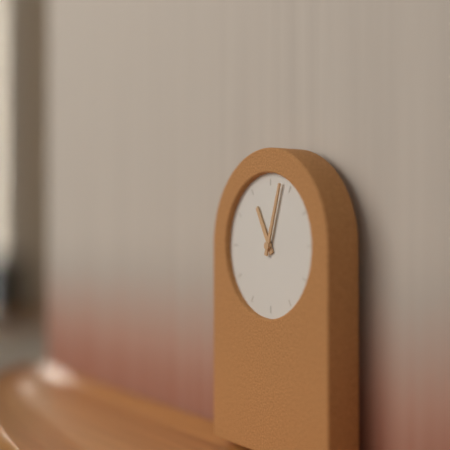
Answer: 11,03
